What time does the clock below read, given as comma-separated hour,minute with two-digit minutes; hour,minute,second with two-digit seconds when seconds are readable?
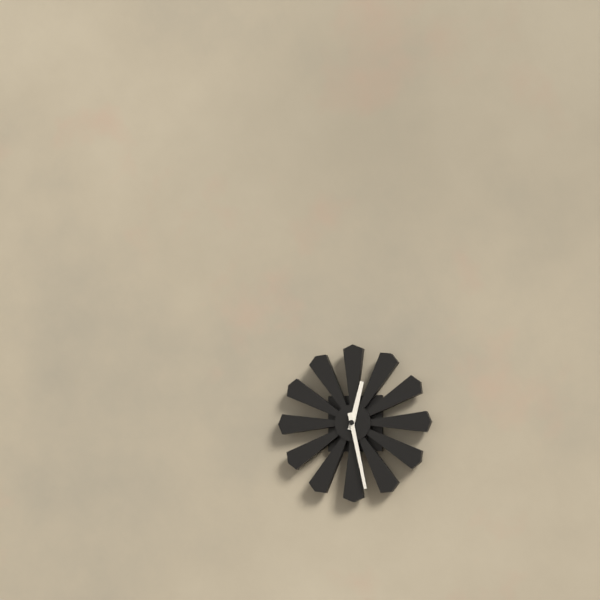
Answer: 12,28
